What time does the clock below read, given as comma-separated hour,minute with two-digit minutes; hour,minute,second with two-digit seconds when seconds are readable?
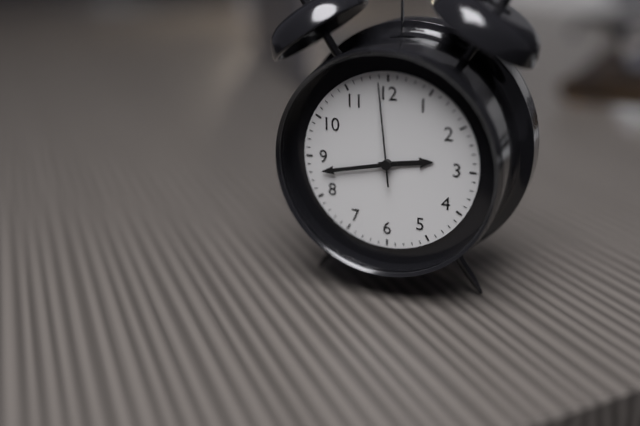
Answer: 2,43,59
